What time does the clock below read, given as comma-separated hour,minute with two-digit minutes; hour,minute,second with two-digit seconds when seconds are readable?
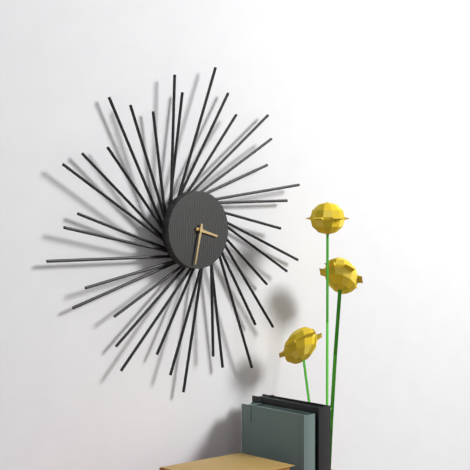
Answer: 3,32
